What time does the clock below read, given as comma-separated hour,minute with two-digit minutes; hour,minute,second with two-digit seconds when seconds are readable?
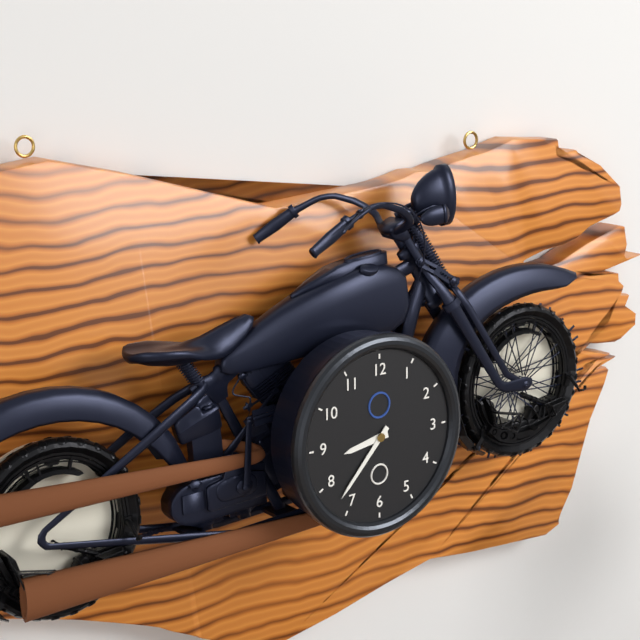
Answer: 8,37
